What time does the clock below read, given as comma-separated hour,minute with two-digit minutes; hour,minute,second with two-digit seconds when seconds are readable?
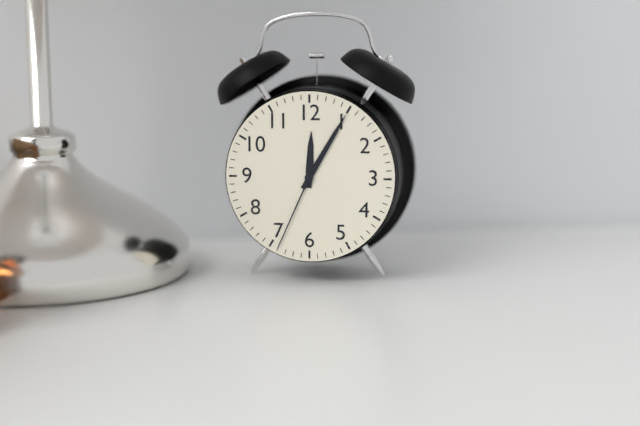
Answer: 12,05,34
